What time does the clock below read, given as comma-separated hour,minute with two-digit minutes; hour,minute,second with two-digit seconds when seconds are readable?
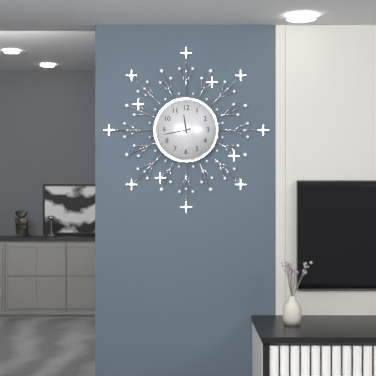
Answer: 11,43
